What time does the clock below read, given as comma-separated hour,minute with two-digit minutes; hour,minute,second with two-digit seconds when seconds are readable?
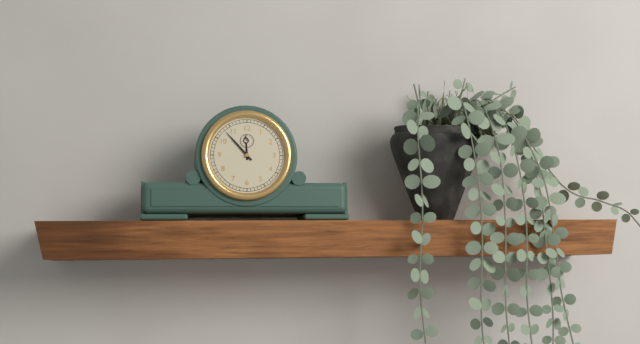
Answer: 11,53
